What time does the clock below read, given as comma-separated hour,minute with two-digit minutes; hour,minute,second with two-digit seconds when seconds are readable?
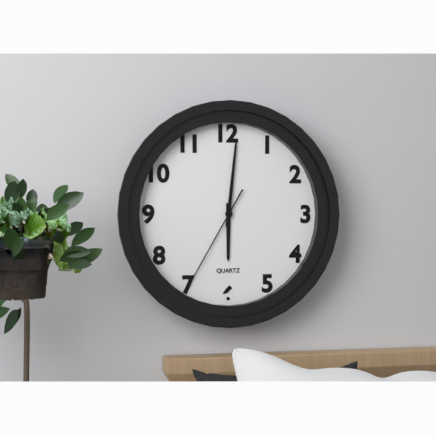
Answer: 6,01,35
